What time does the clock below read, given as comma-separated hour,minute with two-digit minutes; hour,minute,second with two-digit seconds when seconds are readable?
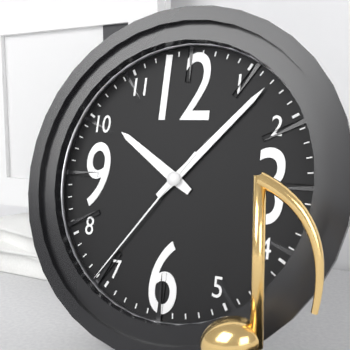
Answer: 10,07,36
